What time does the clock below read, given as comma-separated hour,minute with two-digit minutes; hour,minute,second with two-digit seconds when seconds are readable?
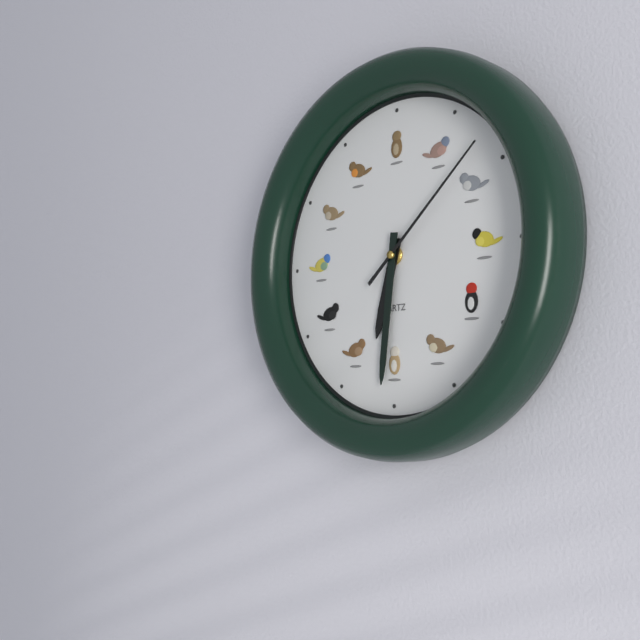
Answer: 6,31,08
